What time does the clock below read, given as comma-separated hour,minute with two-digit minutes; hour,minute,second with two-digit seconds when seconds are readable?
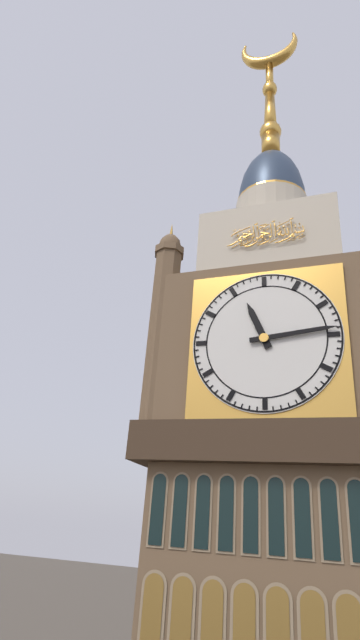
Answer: 11,14
